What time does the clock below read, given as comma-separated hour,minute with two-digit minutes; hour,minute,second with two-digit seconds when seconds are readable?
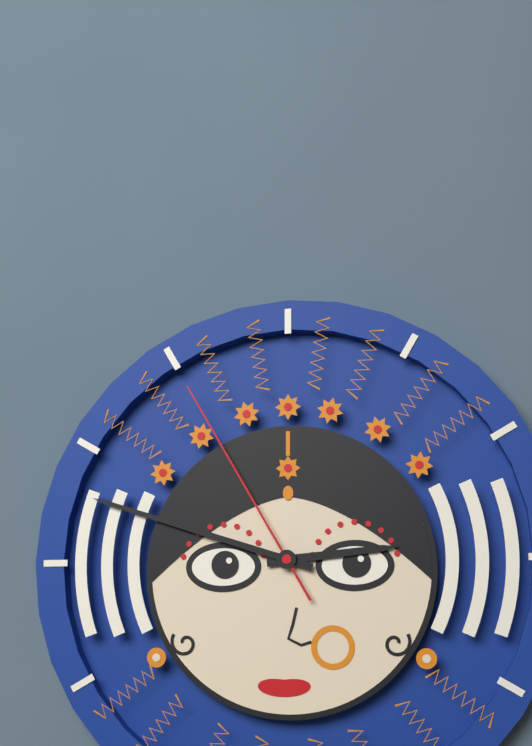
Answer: 2,48,55
